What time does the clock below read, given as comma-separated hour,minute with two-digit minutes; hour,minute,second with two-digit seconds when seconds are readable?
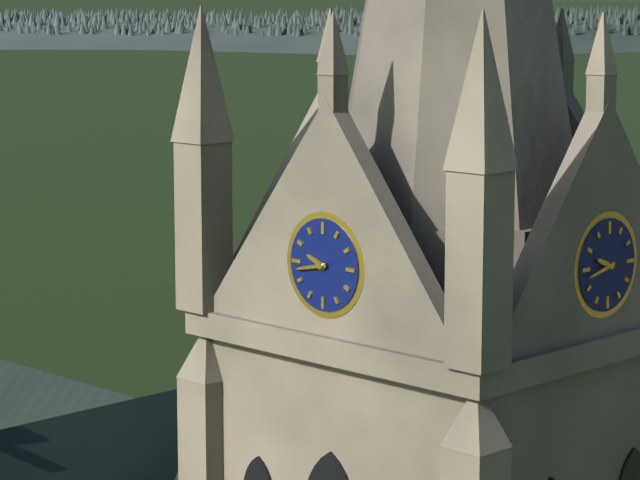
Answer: 9,43
